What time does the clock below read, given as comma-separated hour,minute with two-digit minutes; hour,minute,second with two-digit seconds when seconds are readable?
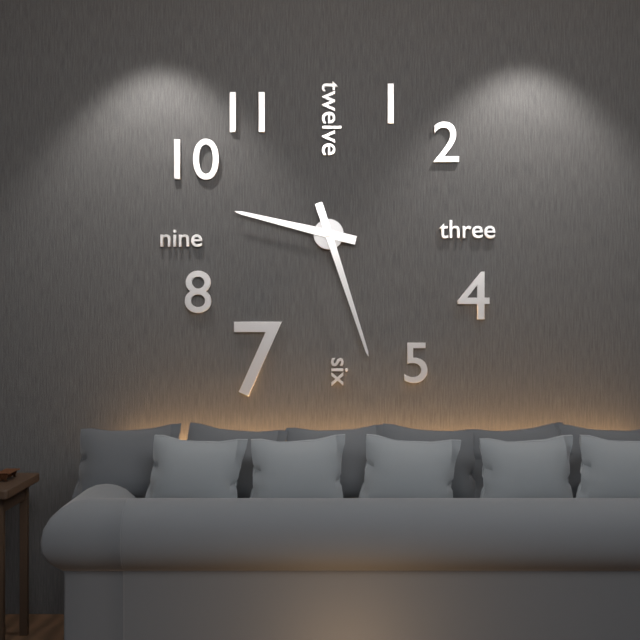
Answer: 9,27
